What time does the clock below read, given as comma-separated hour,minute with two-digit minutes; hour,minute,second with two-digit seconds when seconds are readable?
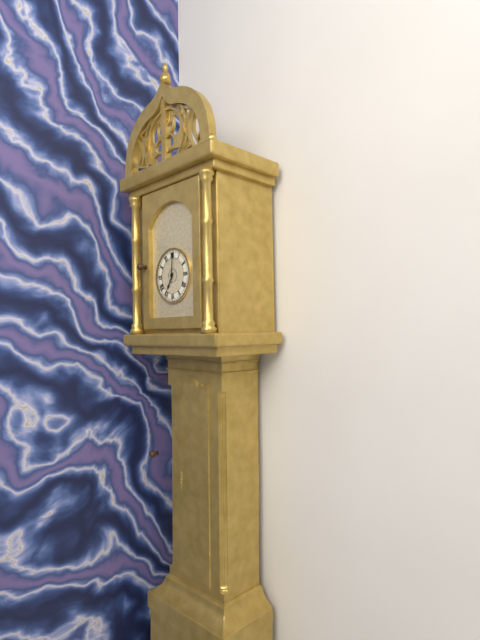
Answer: 7,01
